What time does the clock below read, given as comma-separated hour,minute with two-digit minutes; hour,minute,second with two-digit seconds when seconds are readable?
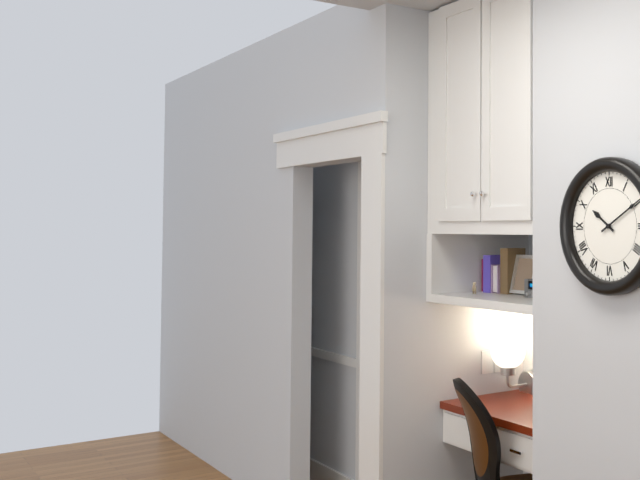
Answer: 10,10
